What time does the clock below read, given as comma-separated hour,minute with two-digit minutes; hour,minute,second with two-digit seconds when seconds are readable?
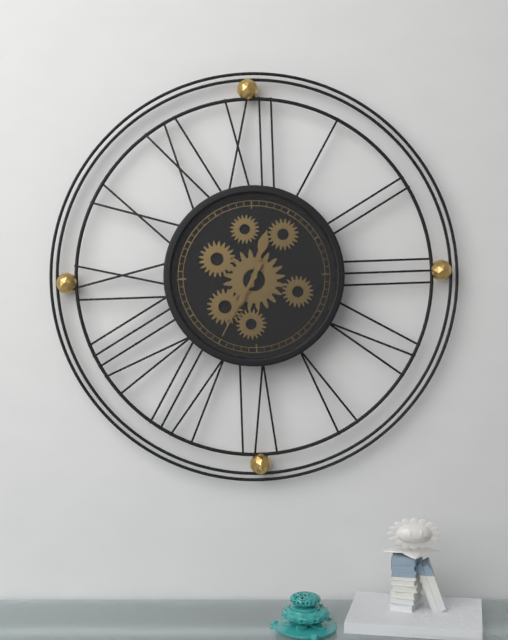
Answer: 12,35
